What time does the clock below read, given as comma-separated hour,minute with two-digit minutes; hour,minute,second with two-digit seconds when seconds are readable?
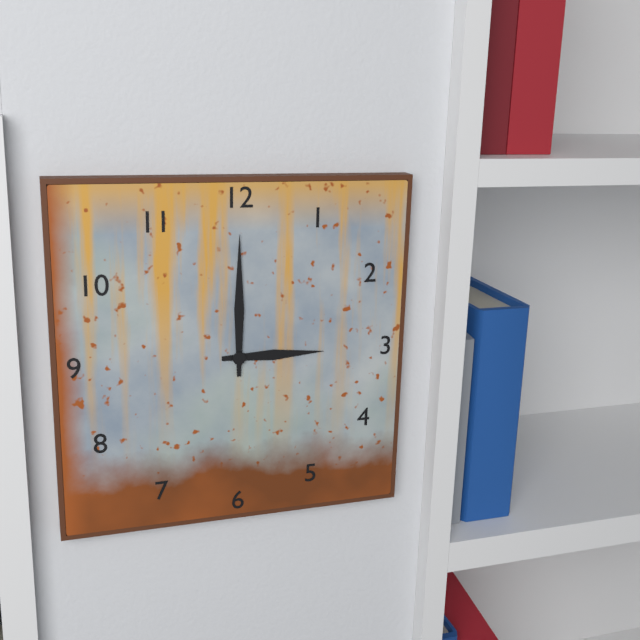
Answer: 3,00
